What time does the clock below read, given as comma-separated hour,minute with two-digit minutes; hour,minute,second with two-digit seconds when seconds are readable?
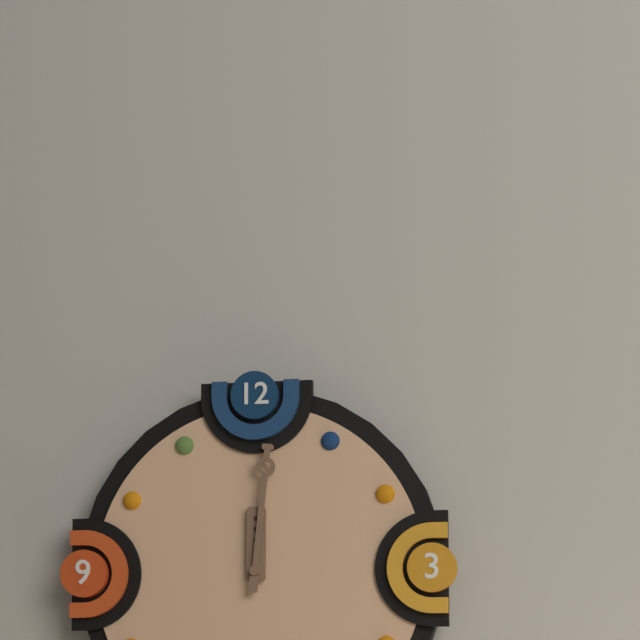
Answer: 12,01
